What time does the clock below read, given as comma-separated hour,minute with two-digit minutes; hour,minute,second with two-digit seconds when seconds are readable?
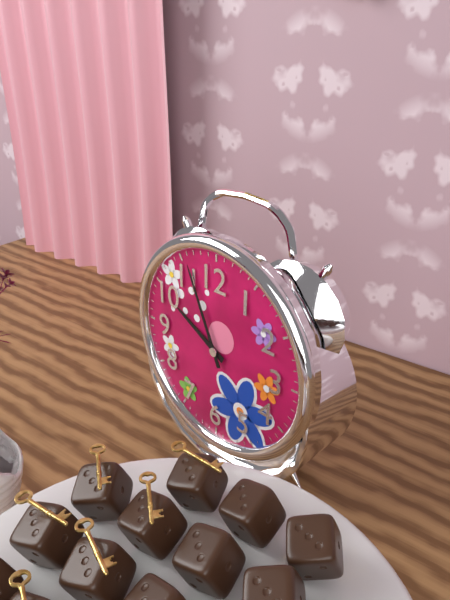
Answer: 9,56
